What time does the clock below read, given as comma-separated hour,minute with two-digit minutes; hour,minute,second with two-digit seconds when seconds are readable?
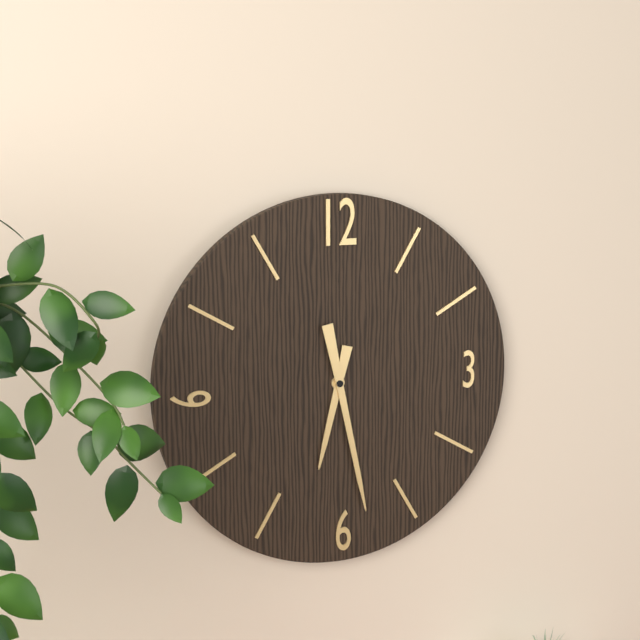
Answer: 6,28
